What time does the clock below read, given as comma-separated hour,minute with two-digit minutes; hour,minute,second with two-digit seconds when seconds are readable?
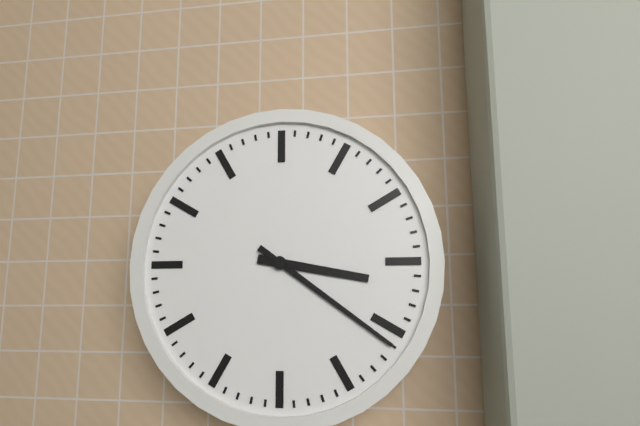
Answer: 3,21
